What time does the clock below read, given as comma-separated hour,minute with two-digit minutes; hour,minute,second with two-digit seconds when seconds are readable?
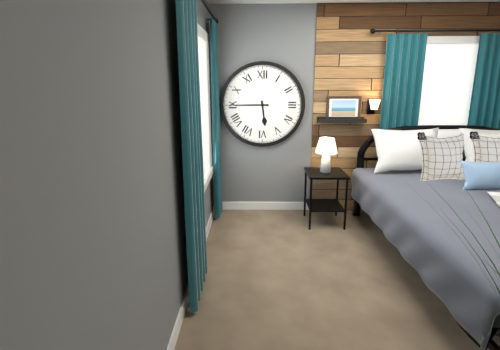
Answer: 5,45
